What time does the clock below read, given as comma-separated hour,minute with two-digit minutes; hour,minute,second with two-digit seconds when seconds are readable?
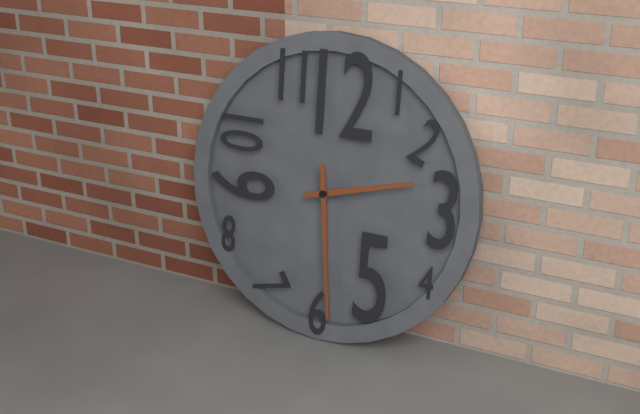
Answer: 2,29
